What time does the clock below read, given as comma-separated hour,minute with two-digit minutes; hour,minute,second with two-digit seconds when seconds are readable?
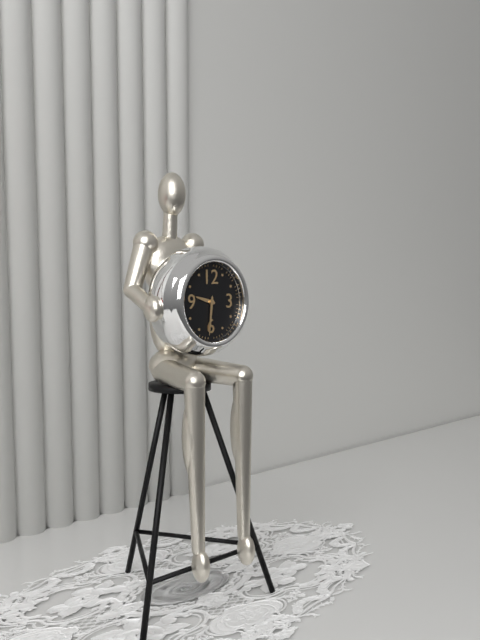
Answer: 9,31
